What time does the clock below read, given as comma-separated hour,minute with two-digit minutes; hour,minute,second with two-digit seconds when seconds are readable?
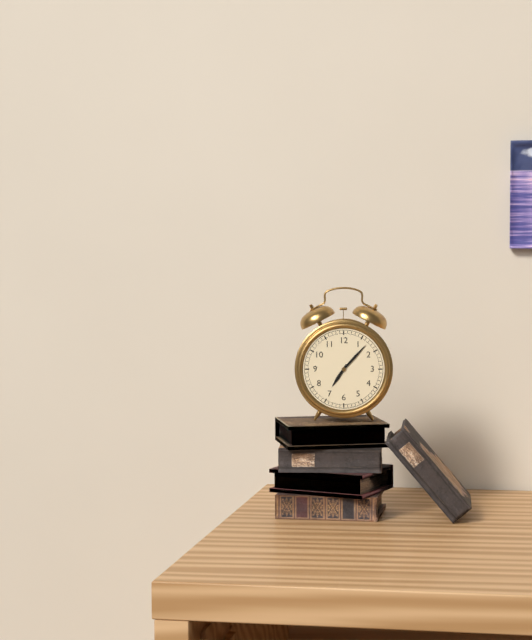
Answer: 7,07
